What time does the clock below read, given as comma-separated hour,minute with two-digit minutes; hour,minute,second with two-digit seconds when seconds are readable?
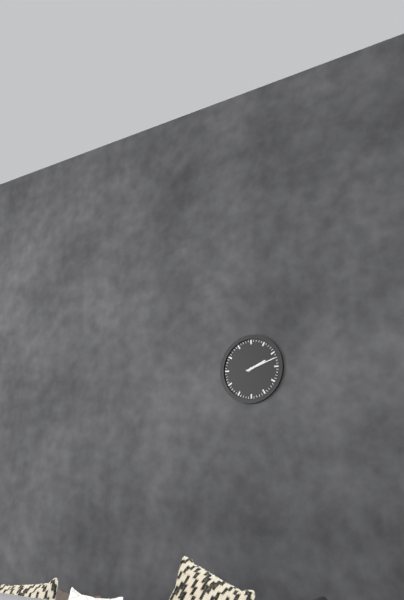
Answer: 2,12
